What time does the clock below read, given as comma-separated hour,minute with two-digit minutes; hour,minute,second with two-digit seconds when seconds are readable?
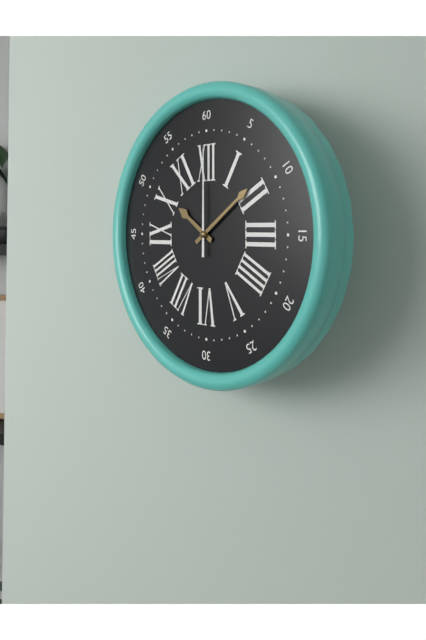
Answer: 10,09,00
